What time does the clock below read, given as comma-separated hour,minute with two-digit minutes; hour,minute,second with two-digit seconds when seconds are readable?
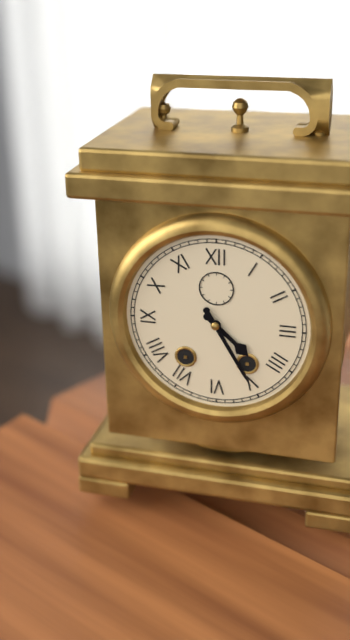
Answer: 4,25
